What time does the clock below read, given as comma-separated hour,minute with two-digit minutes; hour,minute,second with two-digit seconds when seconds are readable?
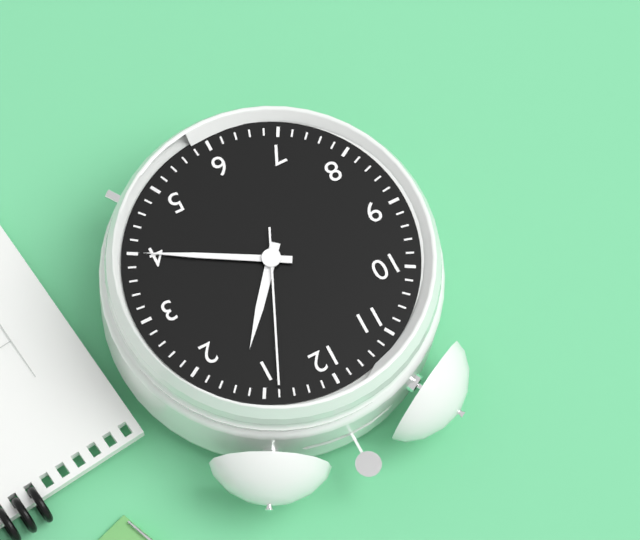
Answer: 1,20,04
